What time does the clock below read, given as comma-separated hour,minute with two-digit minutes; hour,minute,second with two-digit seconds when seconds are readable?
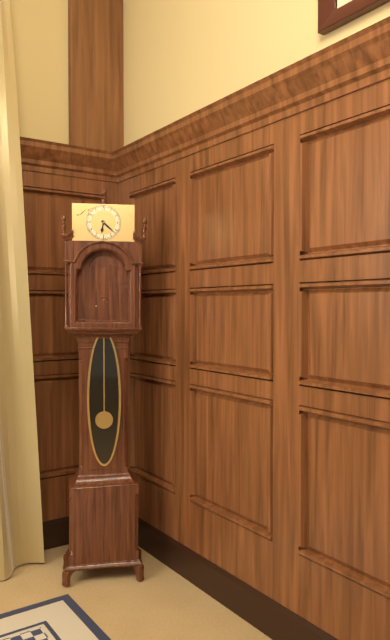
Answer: 6,22
